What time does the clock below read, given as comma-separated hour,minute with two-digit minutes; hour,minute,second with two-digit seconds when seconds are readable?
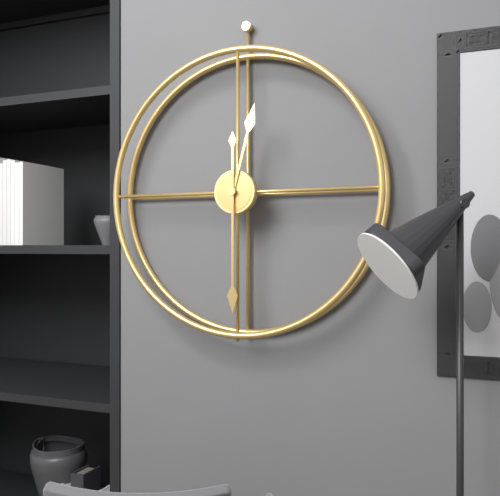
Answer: 12,30
